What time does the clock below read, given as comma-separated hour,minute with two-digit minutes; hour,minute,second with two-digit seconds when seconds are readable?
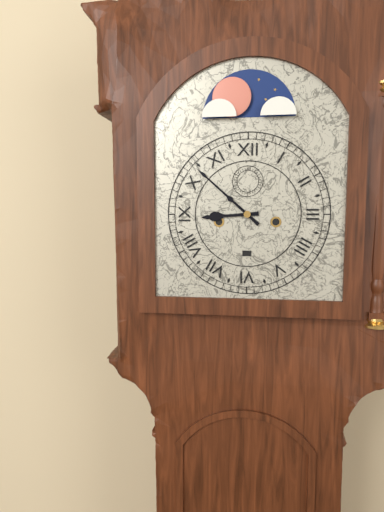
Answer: 8,52
